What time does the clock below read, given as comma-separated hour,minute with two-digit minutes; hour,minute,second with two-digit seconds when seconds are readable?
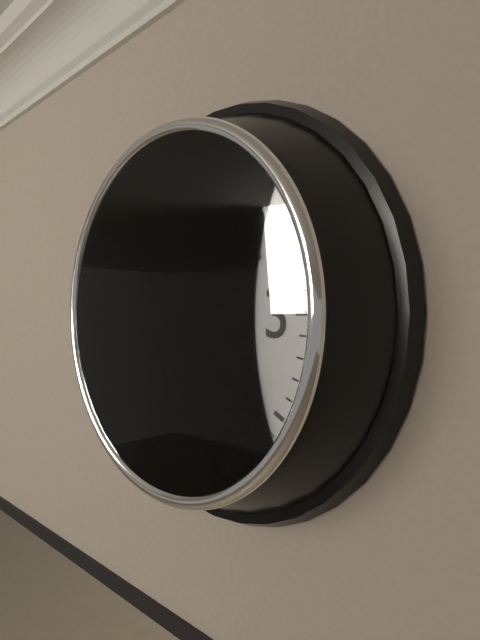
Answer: 12,19
